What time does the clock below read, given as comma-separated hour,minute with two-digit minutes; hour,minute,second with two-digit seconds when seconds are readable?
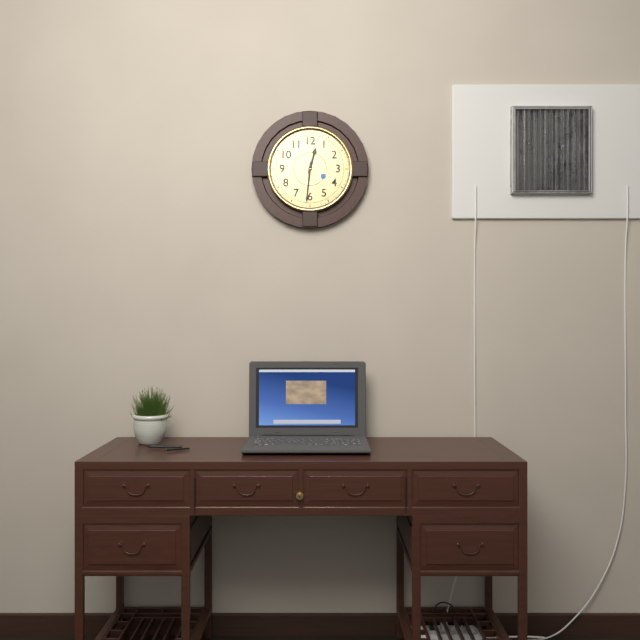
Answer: 12,31
